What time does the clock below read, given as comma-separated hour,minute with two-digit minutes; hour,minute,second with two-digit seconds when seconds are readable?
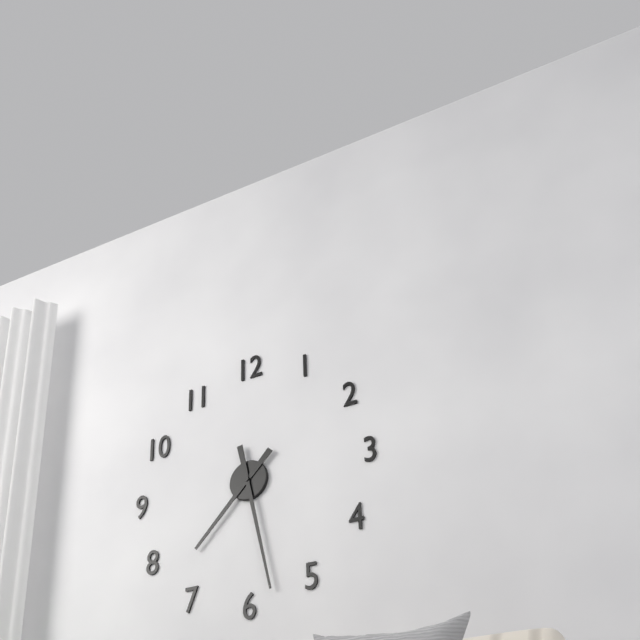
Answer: 7,28
